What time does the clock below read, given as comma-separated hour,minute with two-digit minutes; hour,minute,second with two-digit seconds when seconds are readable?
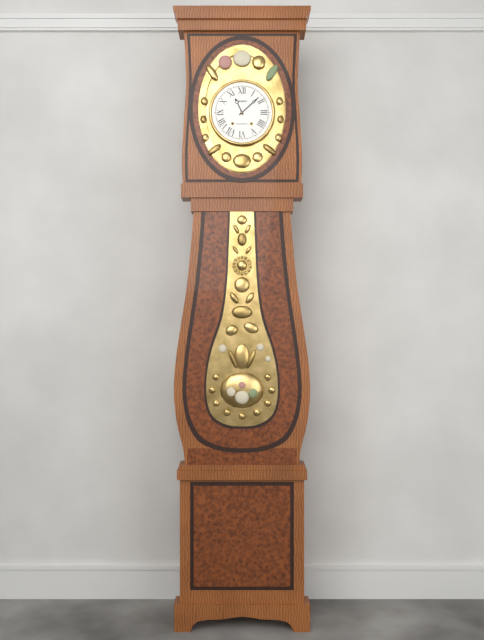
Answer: 11,08
